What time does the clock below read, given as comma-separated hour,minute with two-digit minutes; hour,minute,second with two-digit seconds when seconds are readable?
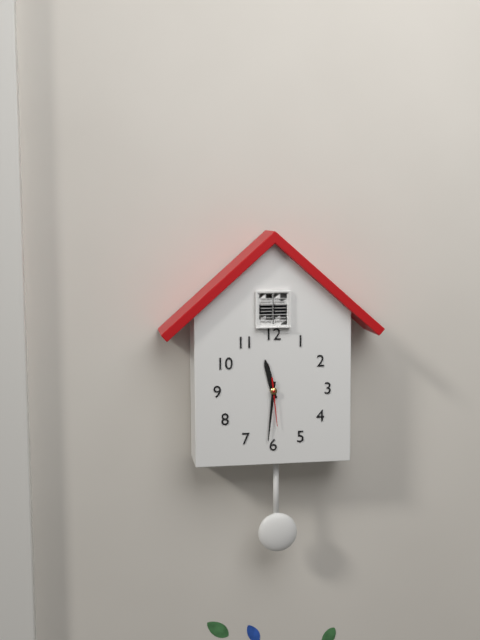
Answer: 11,31
